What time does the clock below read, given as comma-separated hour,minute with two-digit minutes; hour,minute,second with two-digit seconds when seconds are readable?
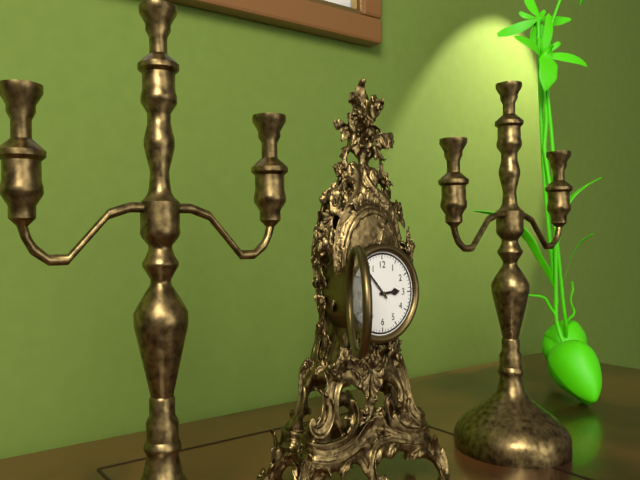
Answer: 2,53
